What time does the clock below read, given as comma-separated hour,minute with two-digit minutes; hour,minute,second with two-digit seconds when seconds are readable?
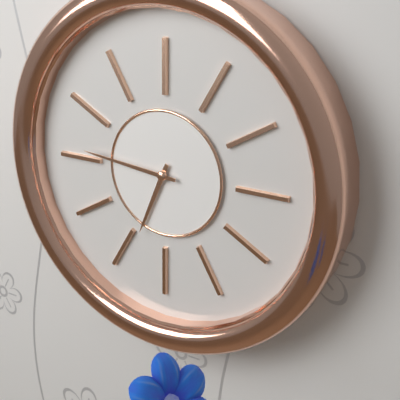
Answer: 6,46
